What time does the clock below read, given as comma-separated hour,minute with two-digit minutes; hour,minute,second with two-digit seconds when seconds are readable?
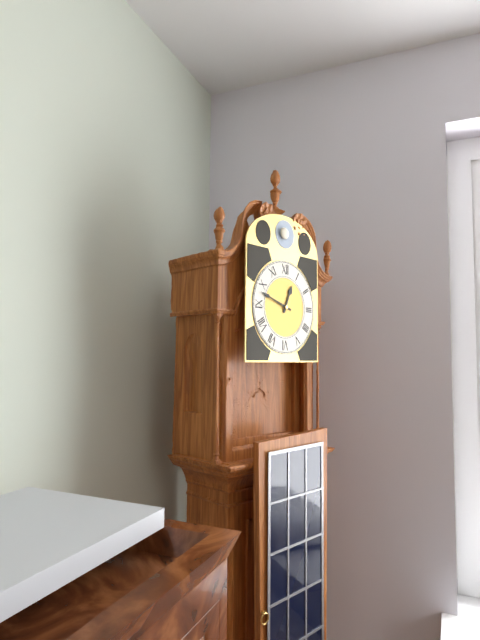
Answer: 12,48
